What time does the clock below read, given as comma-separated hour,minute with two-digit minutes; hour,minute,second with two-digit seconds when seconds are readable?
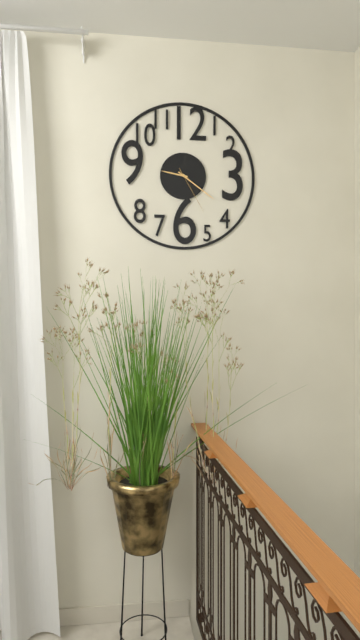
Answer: 9,21,25
